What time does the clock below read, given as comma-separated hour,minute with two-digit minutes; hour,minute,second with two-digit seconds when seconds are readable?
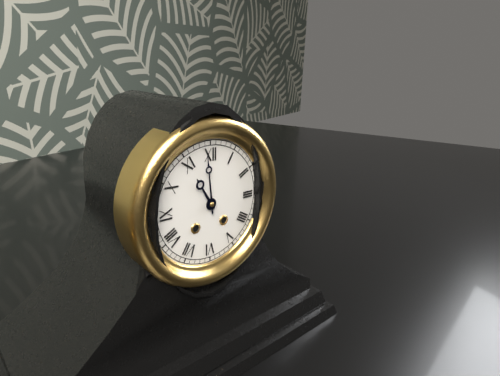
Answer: 10,59
